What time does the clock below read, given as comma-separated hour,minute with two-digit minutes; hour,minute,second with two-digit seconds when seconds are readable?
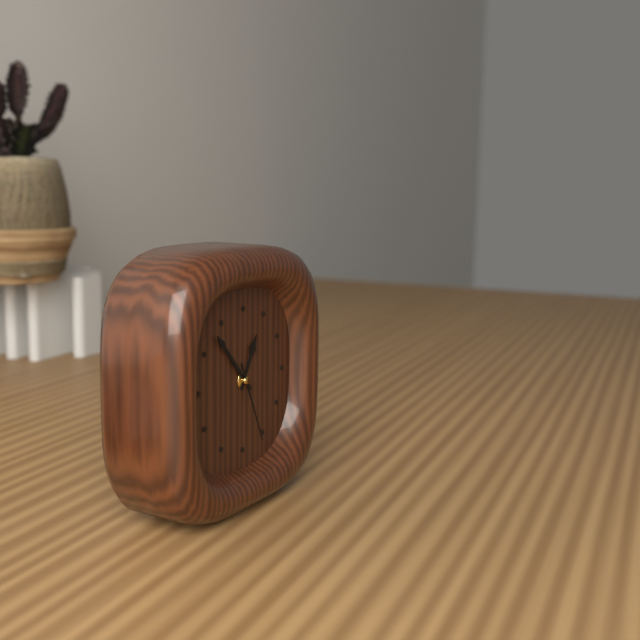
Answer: 12,53,26
